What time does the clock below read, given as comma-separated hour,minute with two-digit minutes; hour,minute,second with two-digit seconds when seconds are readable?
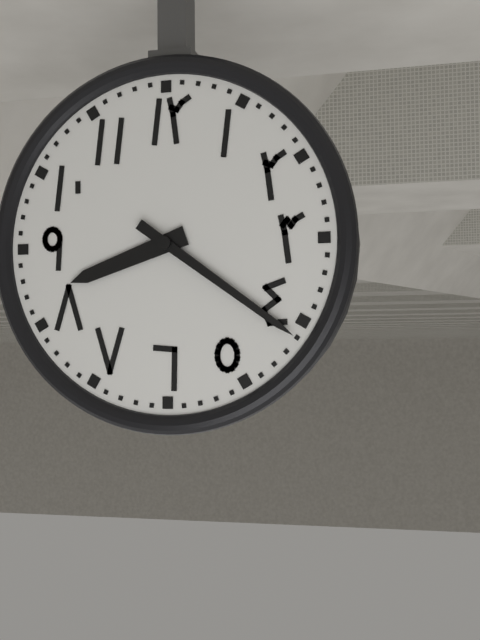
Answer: 8,21
